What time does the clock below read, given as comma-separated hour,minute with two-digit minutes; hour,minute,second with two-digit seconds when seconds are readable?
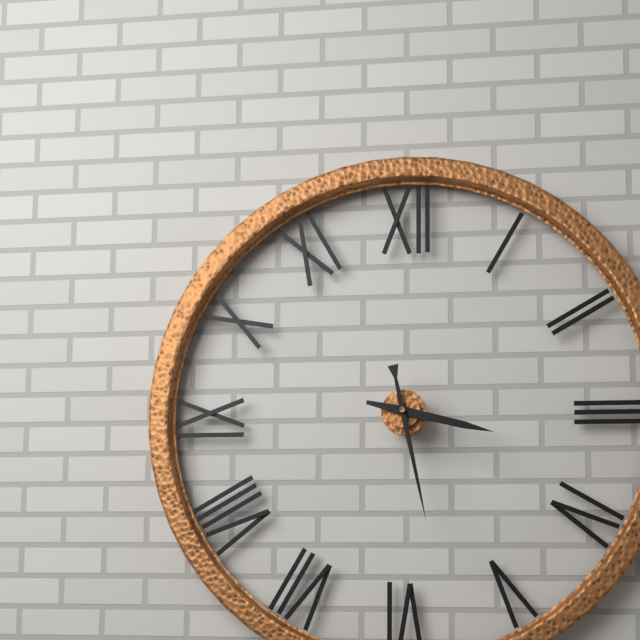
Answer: 3,28
